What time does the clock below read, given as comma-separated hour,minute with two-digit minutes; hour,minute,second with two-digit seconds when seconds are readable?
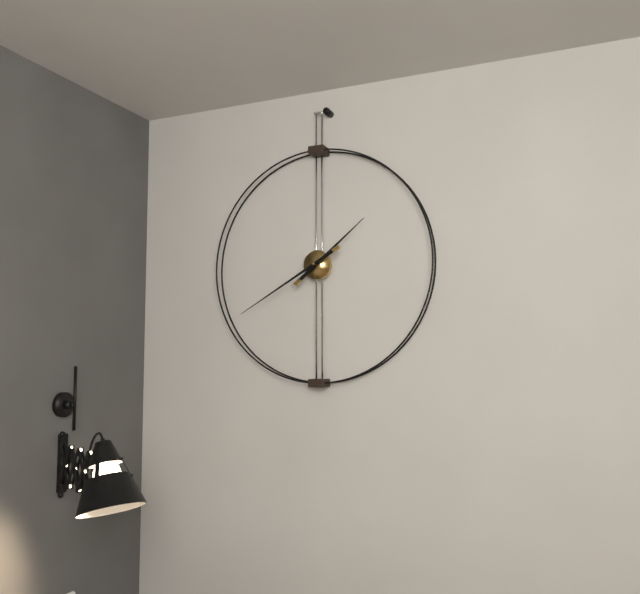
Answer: 1,40
